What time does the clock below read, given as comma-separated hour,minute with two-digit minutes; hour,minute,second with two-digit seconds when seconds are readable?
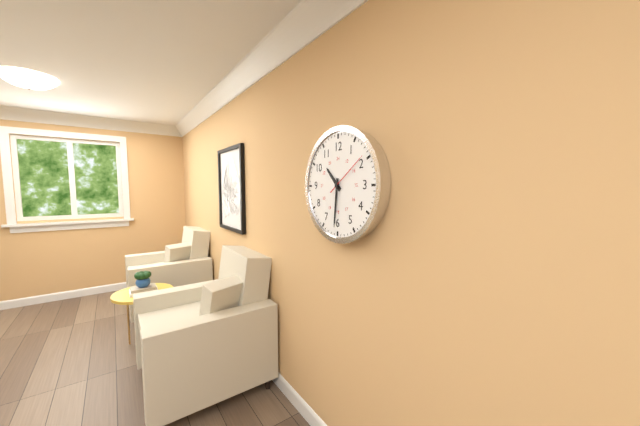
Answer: 10,31
